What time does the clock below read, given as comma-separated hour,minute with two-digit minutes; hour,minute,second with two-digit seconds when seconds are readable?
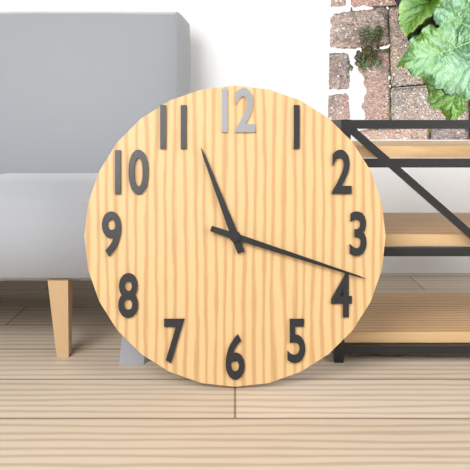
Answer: 11,18
